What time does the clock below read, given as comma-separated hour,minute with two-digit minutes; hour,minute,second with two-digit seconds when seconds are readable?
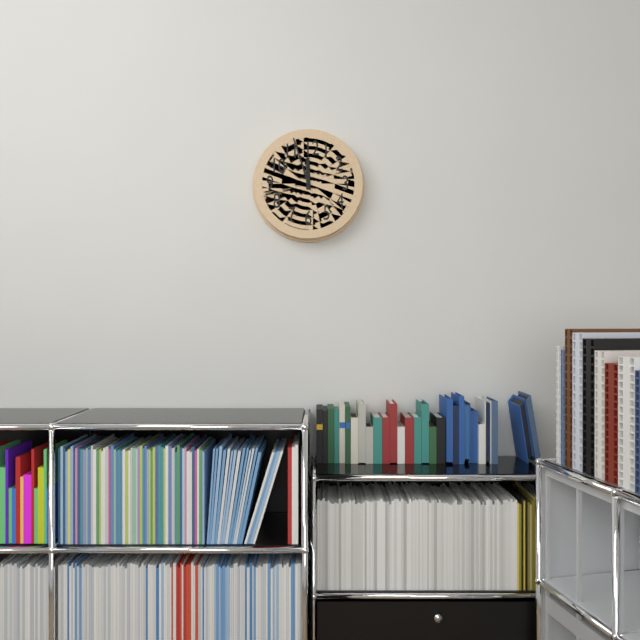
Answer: 11,57
